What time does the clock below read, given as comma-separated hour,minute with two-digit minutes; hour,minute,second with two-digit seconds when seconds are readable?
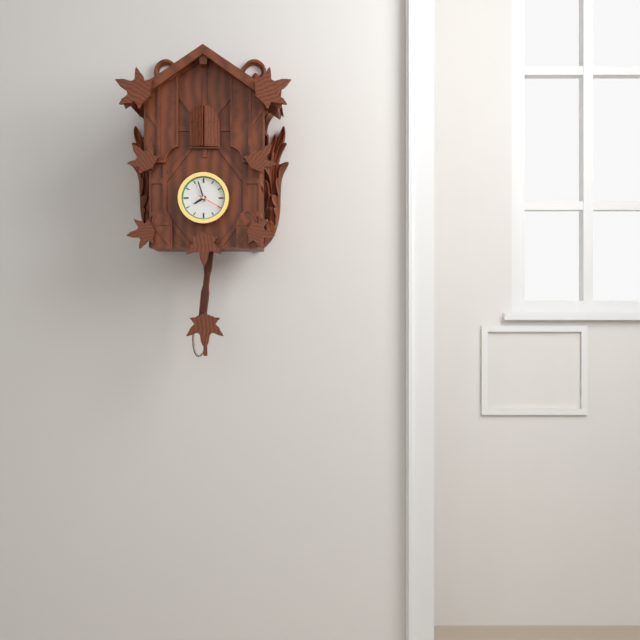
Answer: 7,57
